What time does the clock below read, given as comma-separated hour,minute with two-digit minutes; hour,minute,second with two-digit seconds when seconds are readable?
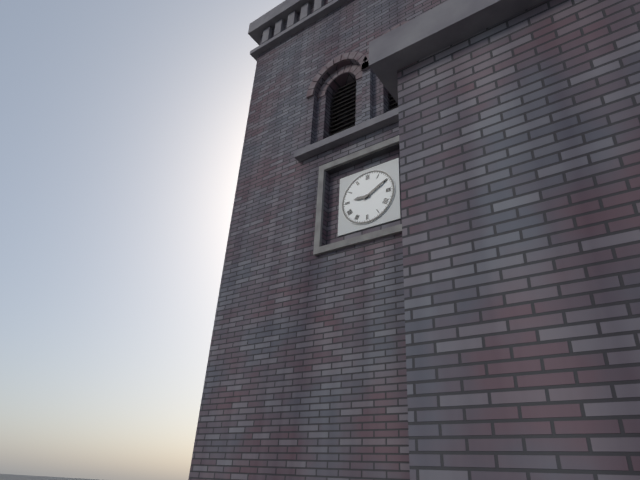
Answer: 9,10
